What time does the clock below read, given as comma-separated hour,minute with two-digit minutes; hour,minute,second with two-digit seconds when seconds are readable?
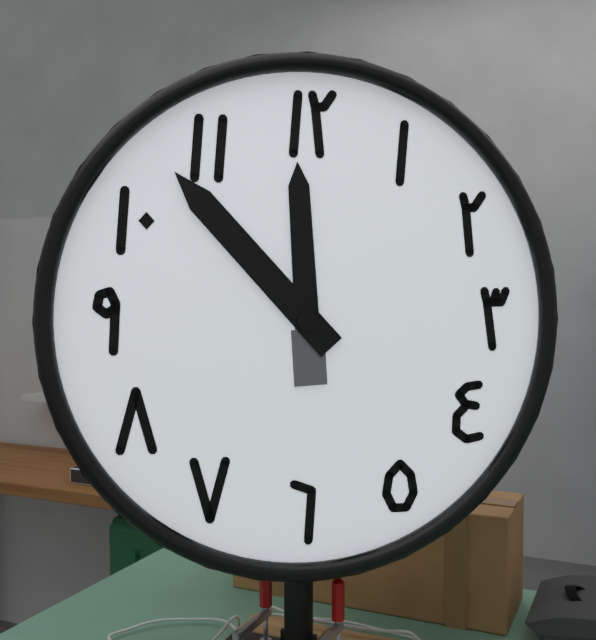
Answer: 11,53
